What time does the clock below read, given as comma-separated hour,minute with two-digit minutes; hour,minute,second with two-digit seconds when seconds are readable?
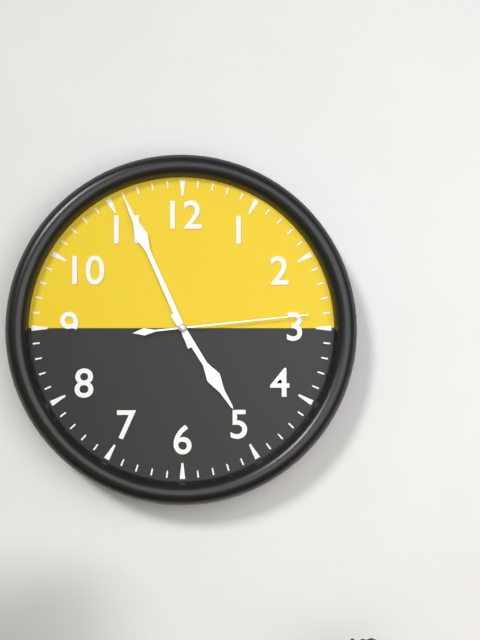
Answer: 4,56,14
